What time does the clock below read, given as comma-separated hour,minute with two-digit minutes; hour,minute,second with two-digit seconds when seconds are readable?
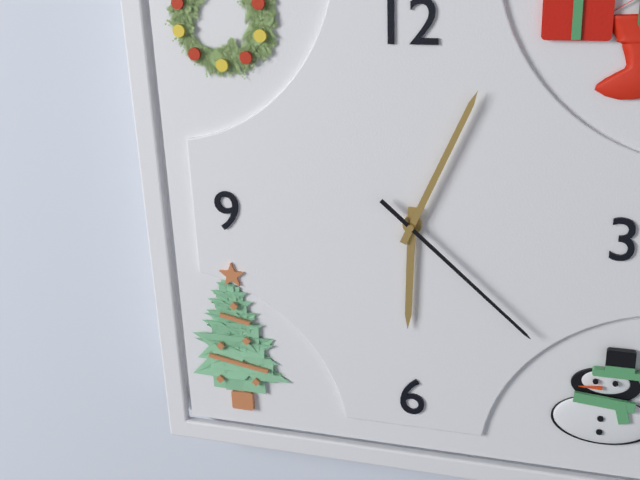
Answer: 6,04,22
